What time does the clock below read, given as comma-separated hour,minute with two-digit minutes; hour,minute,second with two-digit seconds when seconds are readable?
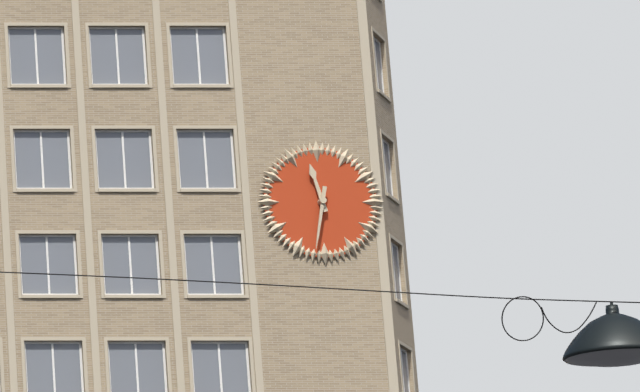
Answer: 11,32
